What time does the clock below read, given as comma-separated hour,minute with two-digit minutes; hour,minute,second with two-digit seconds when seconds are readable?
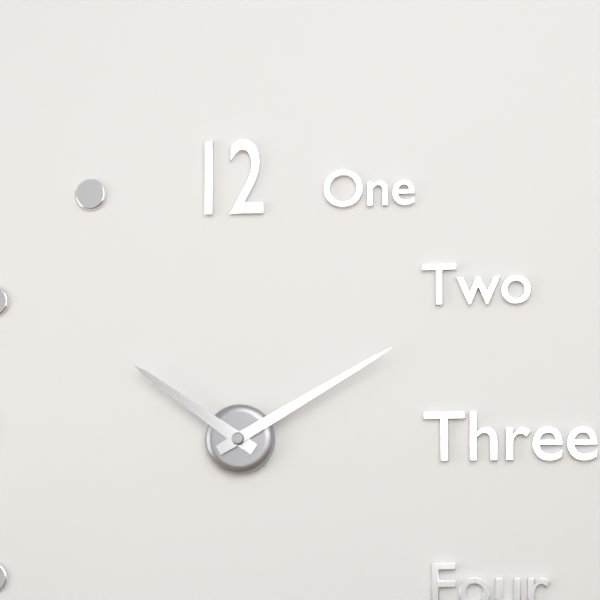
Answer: 10,10
